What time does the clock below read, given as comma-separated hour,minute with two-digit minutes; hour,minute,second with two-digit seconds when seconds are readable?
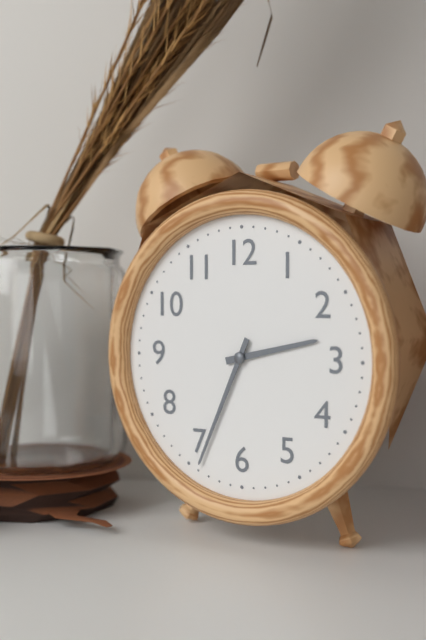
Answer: 2,34
